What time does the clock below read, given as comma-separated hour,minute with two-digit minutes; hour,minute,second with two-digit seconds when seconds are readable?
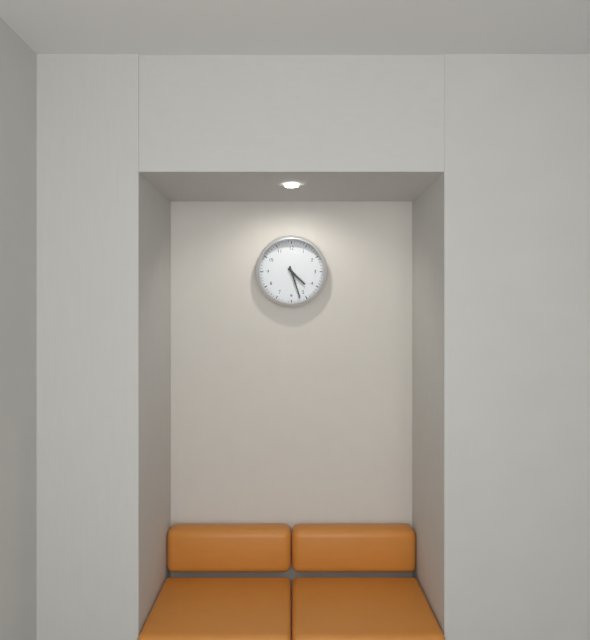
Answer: 4,27
